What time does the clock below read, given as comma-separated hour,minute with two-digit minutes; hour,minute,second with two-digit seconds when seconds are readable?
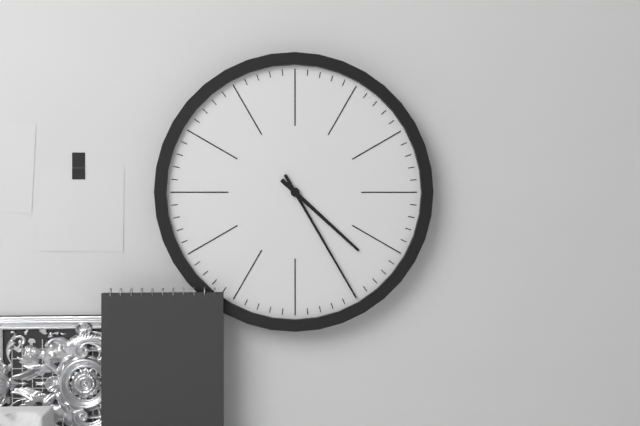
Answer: 4,25
